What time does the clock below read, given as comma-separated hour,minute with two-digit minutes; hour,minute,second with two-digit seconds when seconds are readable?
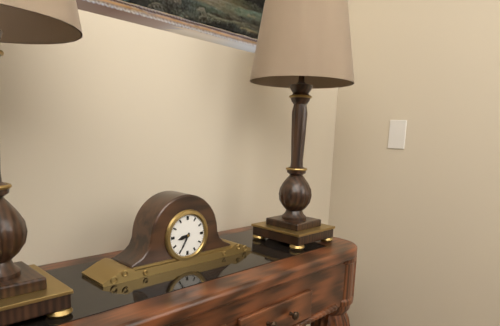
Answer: 8,35
